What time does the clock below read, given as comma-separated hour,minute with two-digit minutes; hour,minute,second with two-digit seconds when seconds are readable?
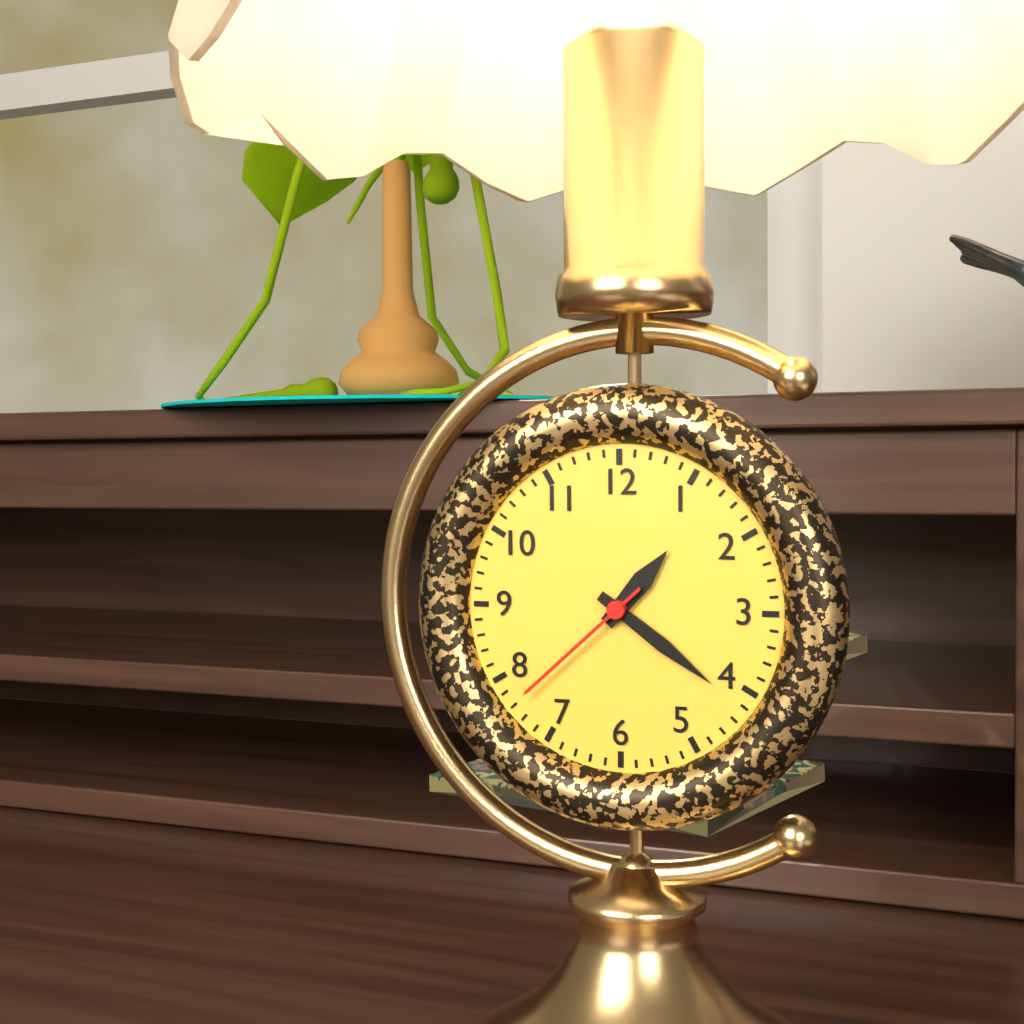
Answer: 1,21,38
